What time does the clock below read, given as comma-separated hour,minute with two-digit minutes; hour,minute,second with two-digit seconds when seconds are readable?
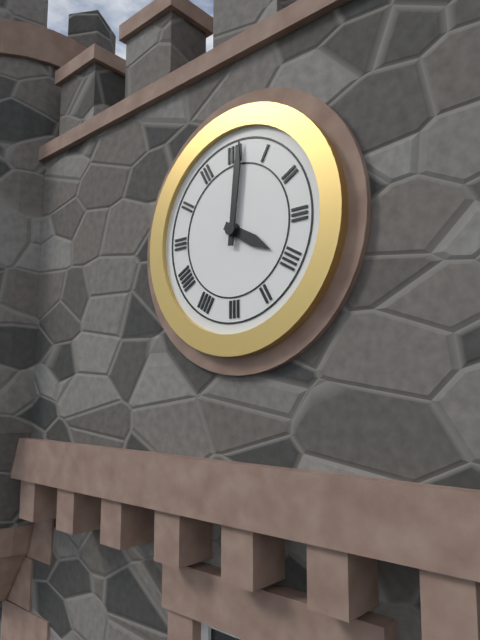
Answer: 4,01
